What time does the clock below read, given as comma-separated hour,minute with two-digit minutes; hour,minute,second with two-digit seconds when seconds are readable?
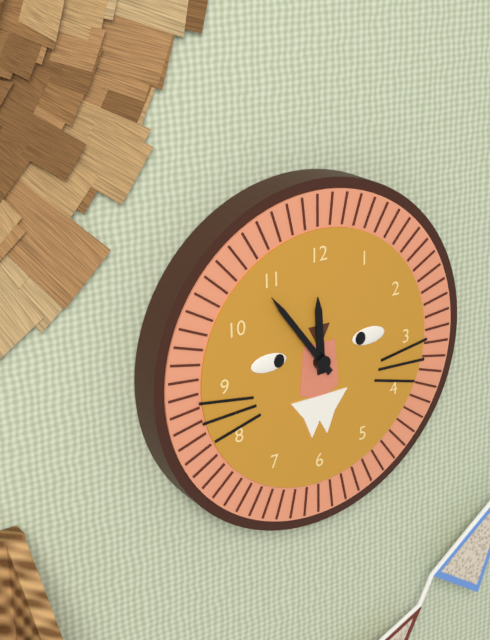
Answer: 11,54
